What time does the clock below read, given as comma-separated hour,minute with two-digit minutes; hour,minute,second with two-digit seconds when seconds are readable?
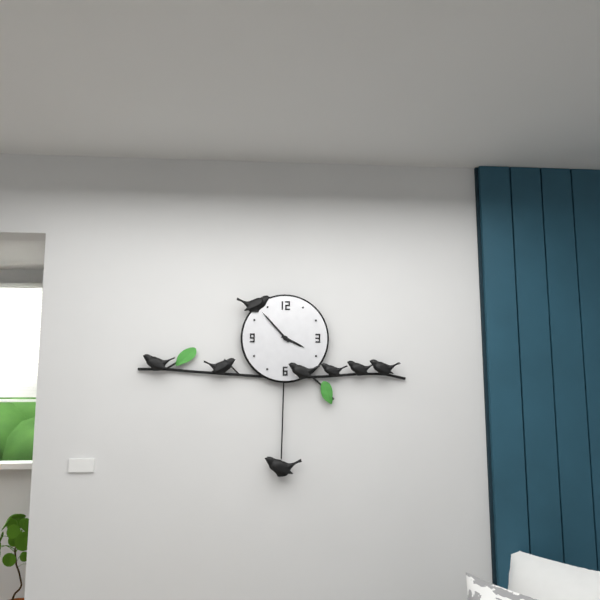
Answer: 3,53
